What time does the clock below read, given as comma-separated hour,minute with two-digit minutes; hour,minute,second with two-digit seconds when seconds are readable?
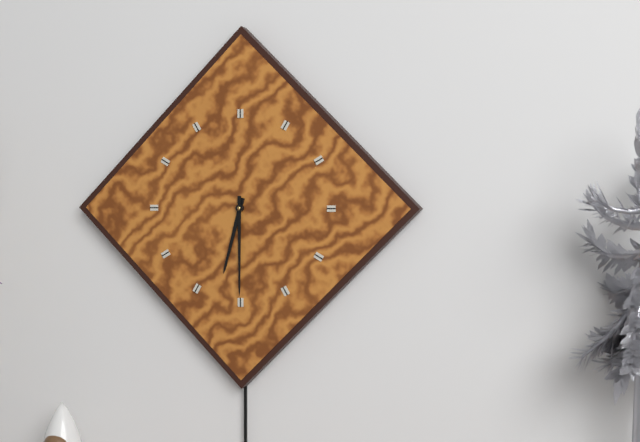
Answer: 6,30
